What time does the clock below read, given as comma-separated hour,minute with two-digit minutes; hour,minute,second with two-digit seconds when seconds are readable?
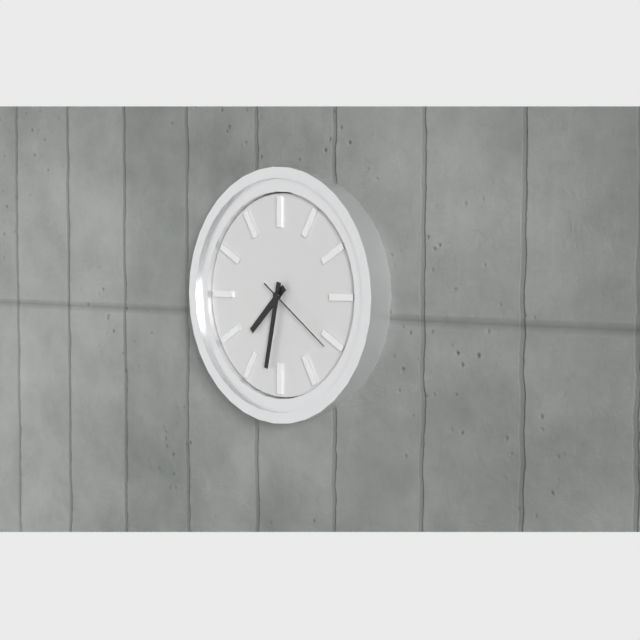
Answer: 7,32,21
